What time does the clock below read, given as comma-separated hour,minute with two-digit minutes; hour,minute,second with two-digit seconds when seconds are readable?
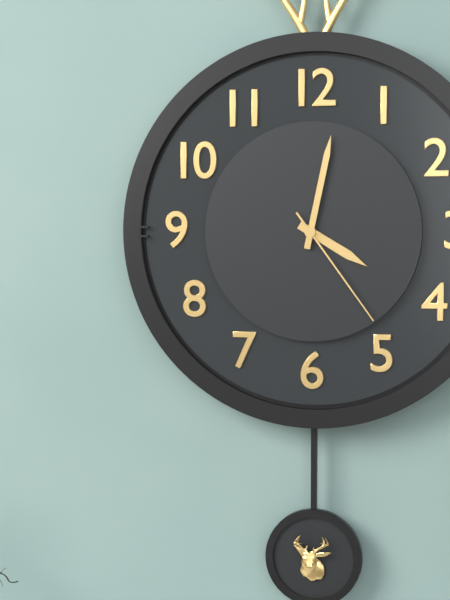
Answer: 4,02,24
